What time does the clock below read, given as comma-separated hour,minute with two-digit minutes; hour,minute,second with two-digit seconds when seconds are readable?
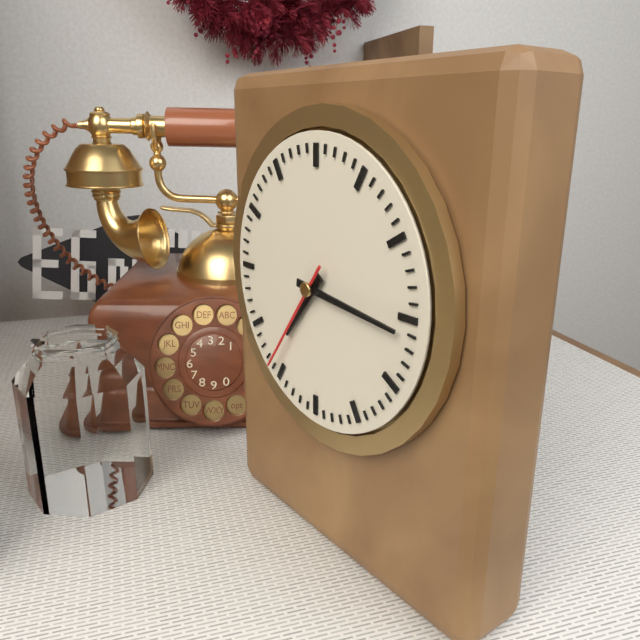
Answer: 7,16,36
